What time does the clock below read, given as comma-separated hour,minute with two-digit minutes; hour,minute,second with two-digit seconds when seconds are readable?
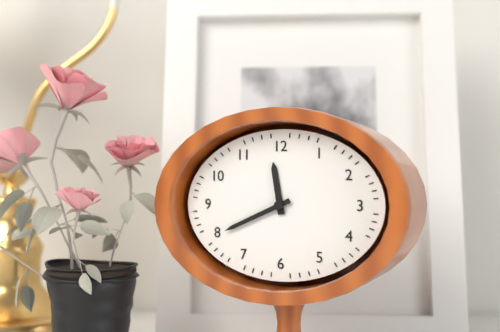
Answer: 11,41
